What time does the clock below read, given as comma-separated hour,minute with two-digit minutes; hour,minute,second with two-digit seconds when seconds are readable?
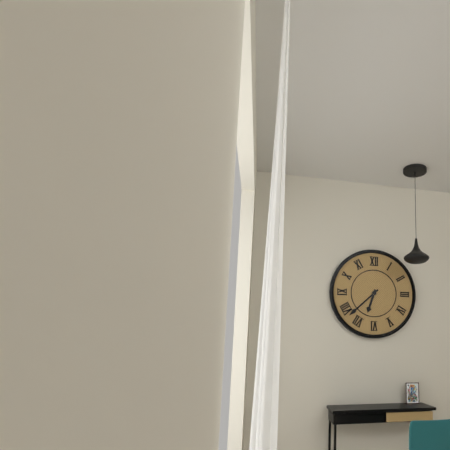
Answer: 6,38
